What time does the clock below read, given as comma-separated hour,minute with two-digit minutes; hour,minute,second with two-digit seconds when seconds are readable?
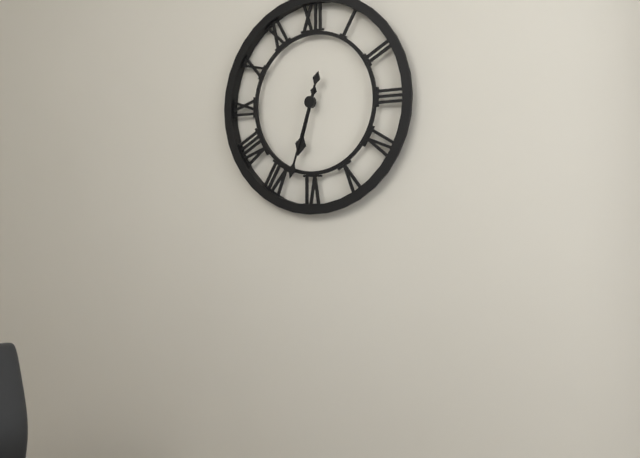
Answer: 6,33
